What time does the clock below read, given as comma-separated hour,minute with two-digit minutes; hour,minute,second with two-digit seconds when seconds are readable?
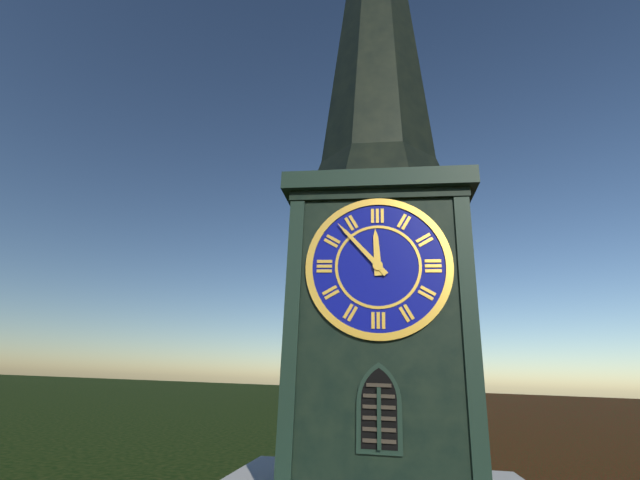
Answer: 11,53
